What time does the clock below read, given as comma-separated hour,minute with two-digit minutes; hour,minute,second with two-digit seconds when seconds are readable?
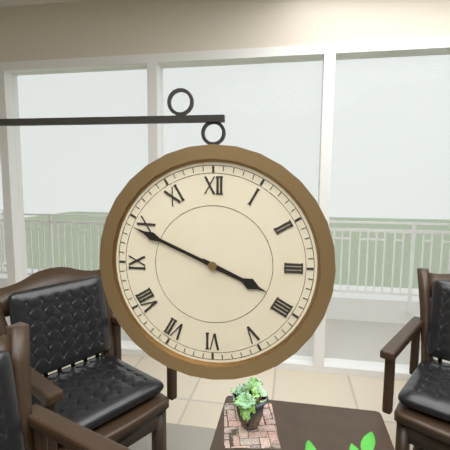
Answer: 3,49
